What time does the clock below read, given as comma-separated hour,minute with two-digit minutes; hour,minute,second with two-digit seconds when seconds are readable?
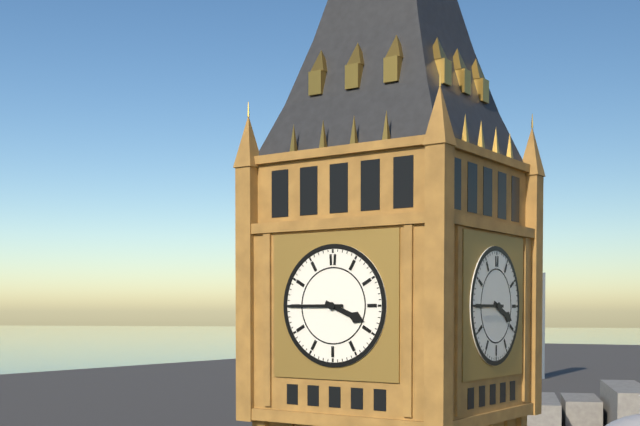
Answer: 3,45
